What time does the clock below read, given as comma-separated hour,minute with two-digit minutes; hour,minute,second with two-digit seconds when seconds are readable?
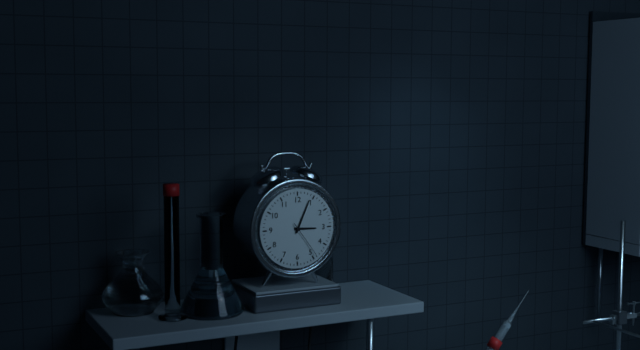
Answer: 3,04
